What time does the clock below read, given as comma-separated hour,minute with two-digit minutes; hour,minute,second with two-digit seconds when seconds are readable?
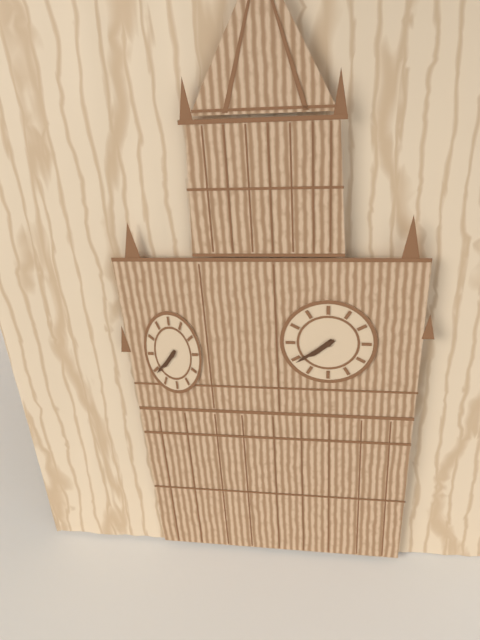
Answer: 7,39
